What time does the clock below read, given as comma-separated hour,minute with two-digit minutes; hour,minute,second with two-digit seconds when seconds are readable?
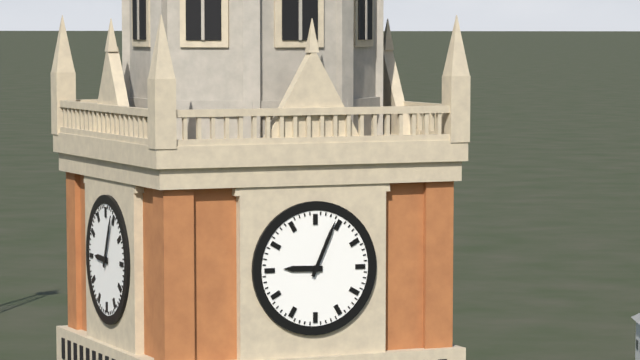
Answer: 9,04
